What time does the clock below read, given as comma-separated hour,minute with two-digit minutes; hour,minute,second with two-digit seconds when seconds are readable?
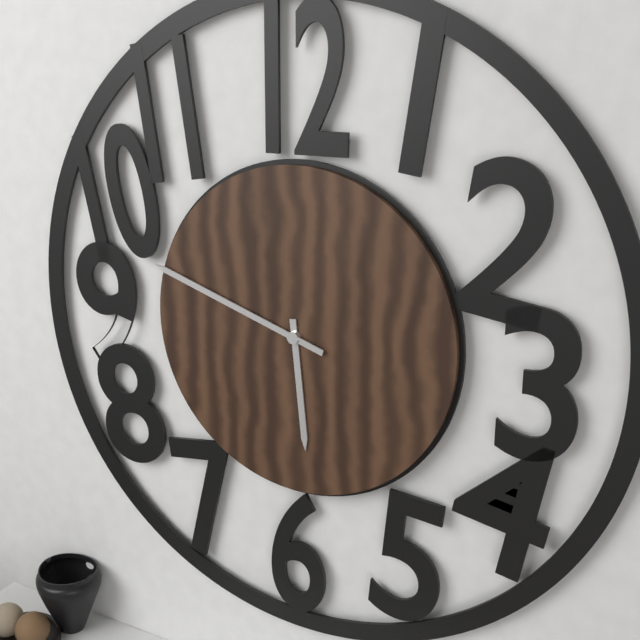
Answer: 5,48
